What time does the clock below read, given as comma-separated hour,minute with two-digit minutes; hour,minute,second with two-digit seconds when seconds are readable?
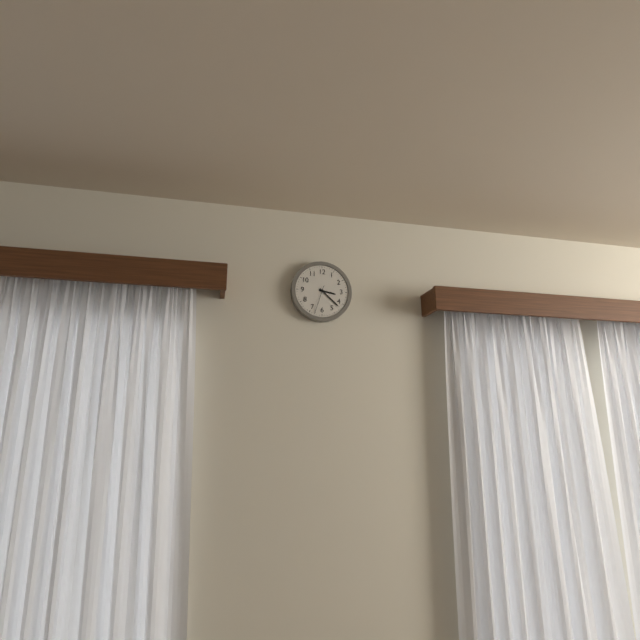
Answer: 3,22
